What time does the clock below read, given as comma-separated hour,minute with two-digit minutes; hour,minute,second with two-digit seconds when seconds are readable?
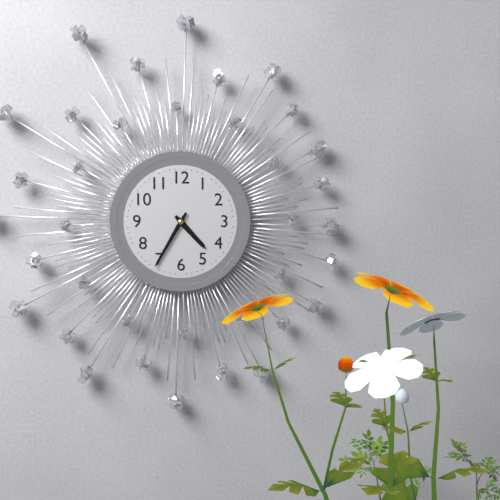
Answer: 4,35
